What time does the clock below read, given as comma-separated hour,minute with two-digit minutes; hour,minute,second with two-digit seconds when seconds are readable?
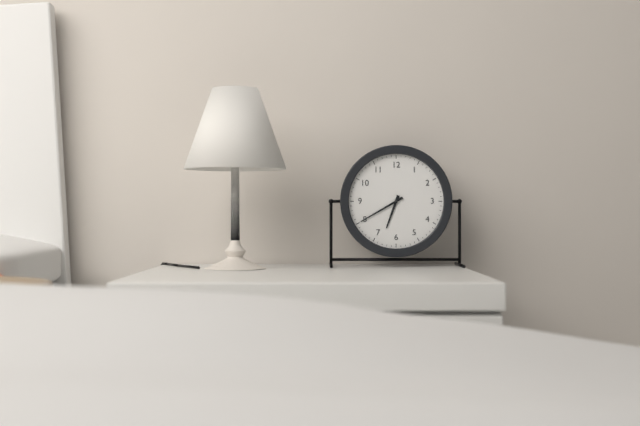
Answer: 6,40
